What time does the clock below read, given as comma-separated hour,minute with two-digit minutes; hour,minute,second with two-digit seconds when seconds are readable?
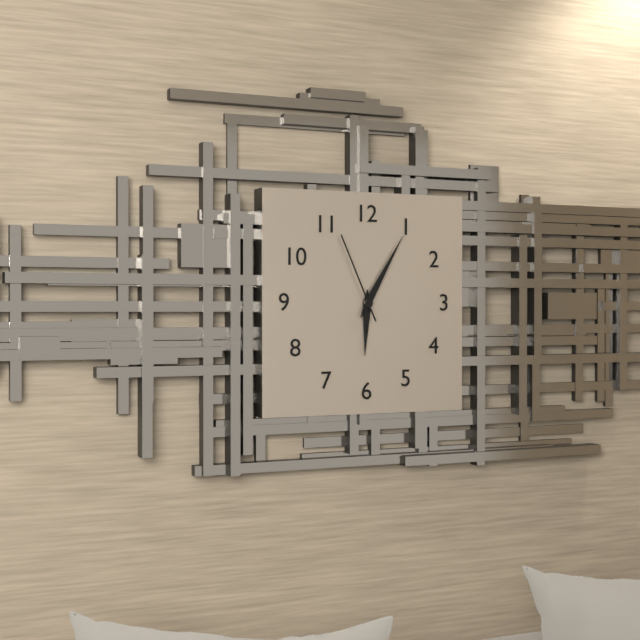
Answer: 6,05,56
